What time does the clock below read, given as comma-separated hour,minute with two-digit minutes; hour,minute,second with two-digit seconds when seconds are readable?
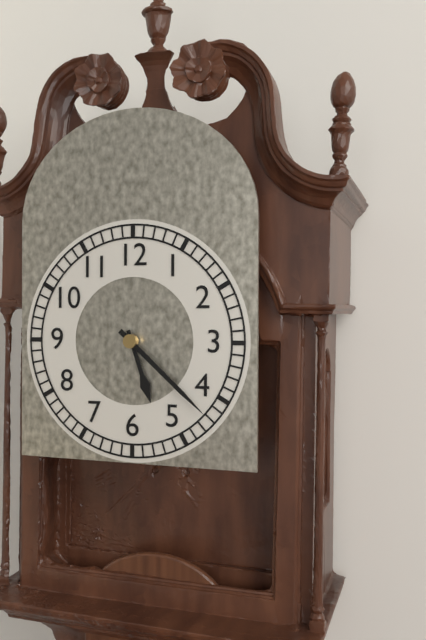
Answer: 5,22
